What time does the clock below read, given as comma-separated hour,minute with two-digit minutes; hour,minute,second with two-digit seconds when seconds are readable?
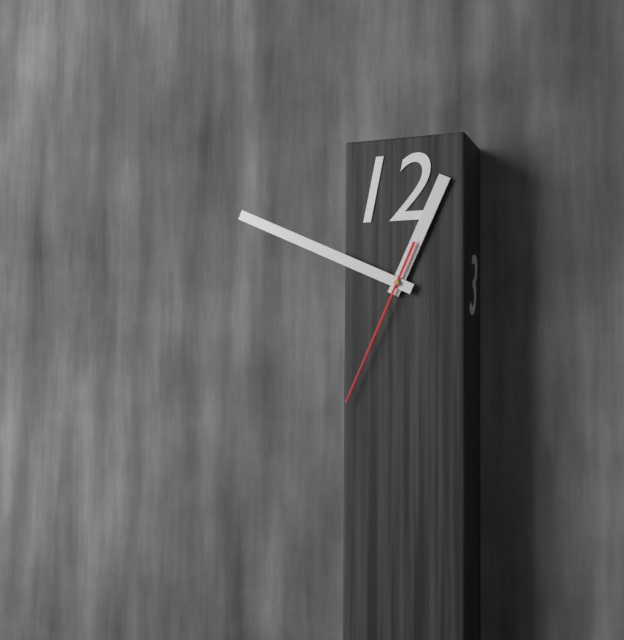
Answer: 12,49,34
